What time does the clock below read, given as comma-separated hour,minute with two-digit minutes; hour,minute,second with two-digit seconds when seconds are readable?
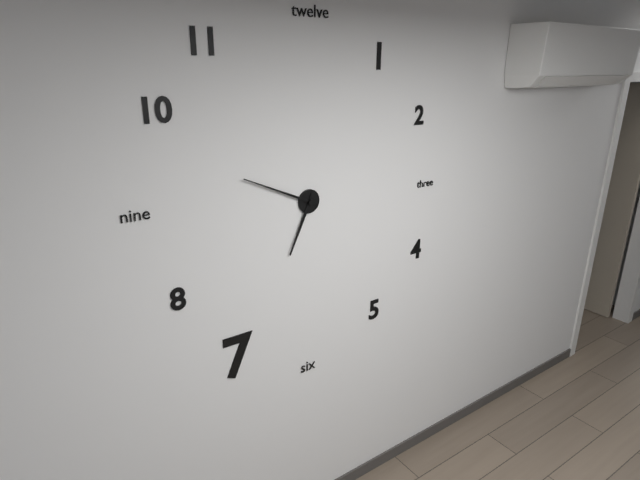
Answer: 6,49
